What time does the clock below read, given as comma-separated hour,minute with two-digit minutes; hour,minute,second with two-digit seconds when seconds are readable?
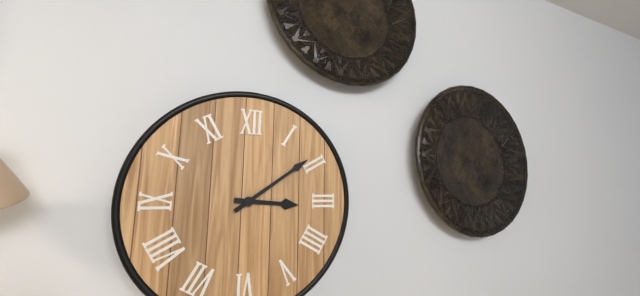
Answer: 3,09
